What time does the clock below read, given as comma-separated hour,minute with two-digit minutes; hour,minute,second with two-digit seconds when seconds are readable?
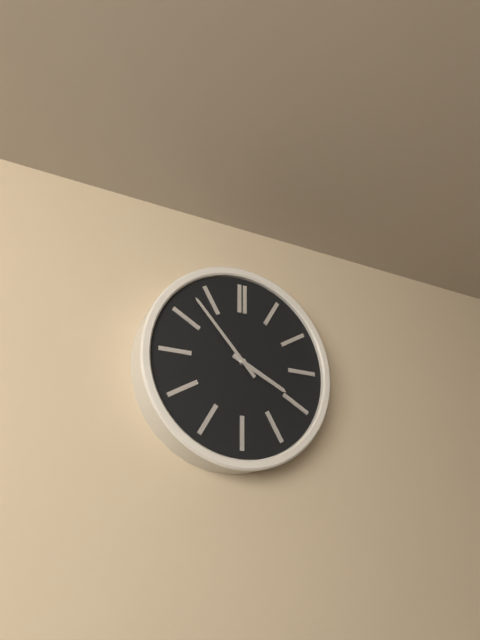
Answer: 3,53
